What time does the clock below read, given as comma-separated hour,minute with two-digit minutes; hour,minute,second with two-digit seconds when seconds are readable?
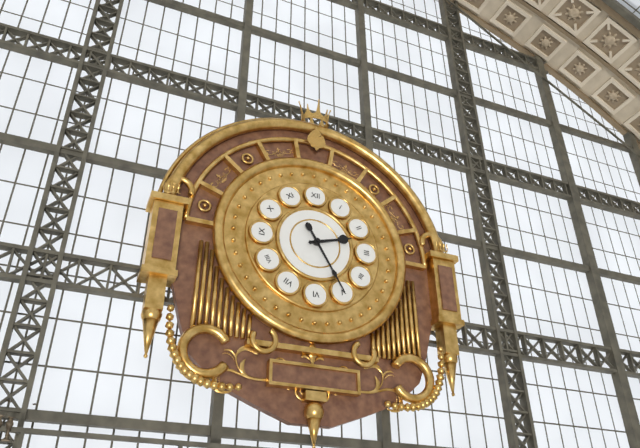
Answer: 2,25
